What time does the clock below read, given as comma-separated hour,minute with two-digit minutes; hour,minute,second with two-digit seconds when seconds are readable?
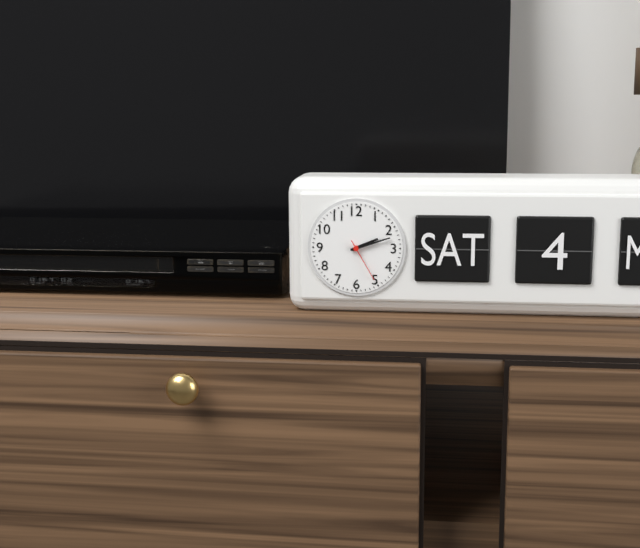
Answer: 2,12
